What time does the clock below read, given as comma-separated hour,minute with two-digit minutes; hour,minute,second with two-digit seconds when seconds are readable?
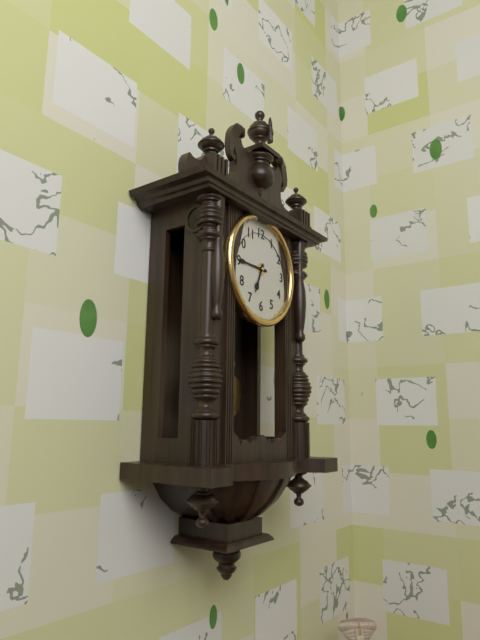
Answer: 6,45
